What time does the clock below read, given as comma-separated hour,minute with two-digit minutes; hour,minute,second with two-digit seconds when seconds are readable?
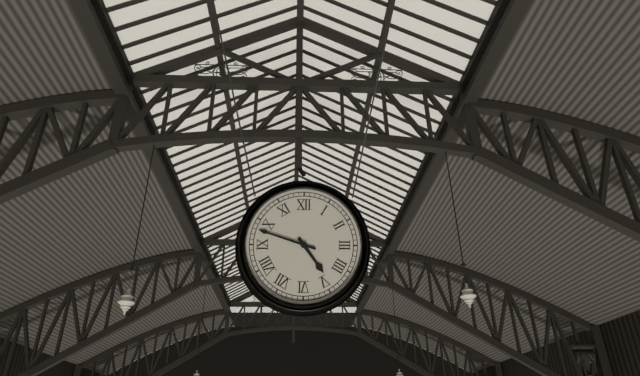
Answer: 4,48
